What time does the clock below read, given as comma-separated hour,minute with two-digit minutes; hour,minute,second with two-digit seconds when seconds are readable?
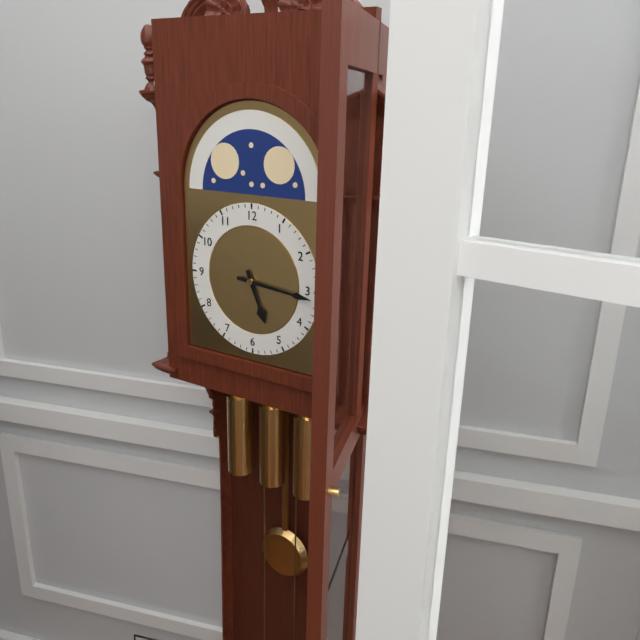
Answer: 5,16
